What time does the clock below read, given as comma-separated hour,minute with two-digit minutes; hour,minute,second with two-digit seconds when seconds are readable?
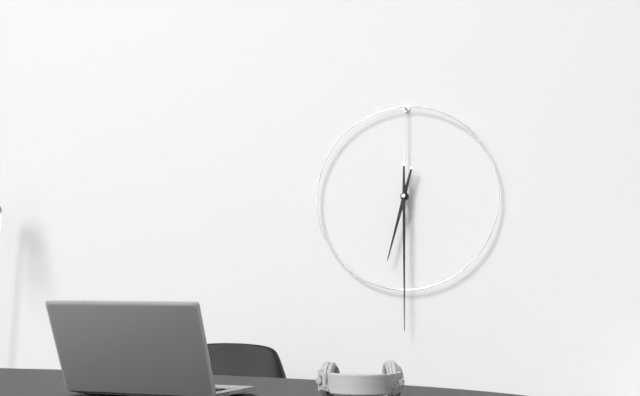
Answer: 6,30
